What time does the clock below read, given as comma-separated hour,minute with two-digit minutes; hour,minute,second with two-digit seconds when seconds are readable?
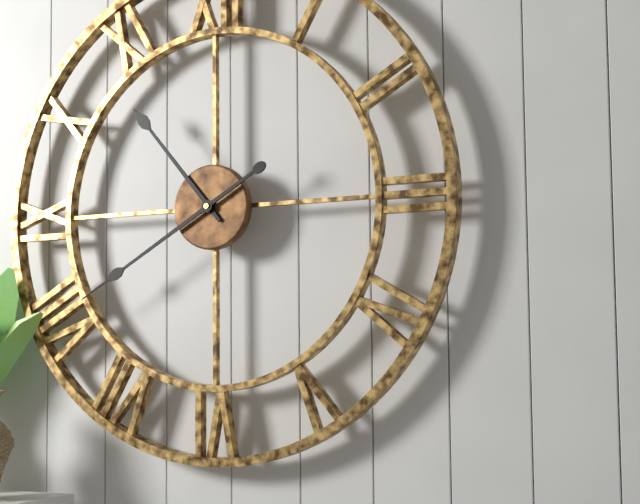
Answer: 10,40
